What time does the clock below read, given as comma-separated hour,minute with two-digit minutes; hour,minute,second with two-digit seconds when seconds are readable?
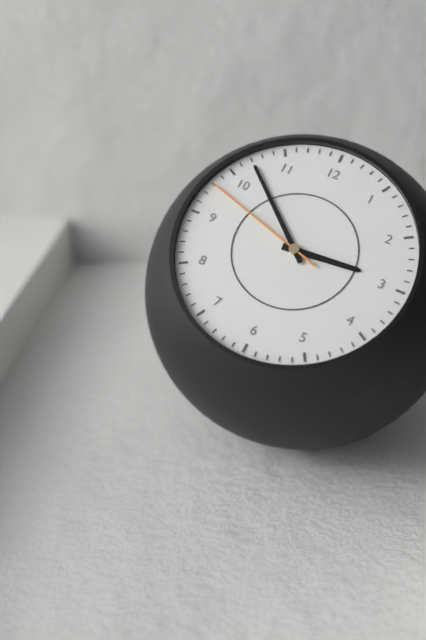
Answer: 2,52,48
